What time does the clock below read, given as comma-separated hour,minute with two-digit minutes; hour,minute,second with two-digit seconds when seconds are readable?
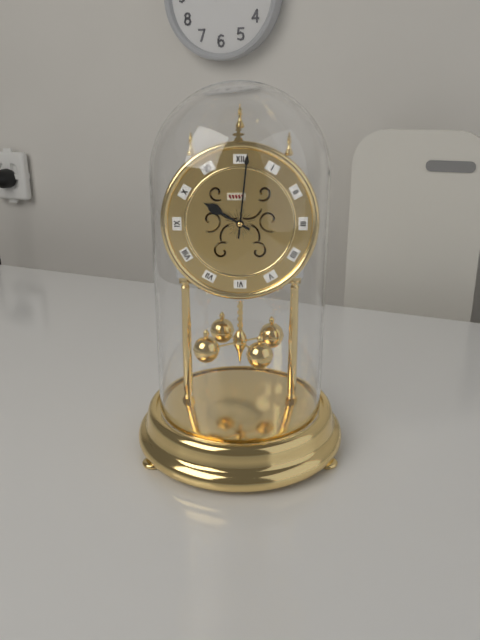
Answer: 10,01
